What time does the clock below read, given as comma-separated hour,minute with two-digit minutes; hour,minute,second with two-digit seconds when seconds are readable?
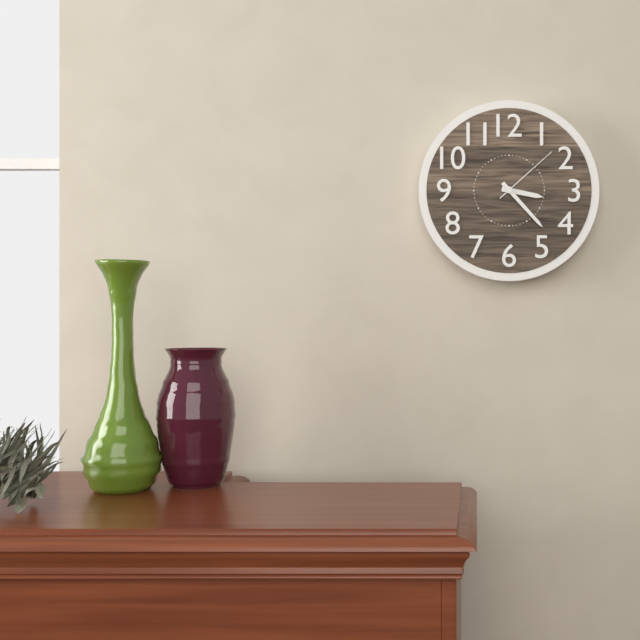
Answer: 3,23,08
